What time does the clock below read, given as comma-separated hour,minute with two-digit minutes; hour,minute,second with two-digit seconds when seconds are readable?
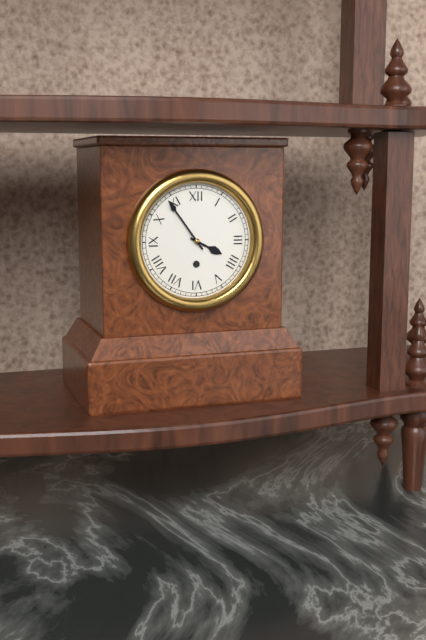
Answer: 3,54
